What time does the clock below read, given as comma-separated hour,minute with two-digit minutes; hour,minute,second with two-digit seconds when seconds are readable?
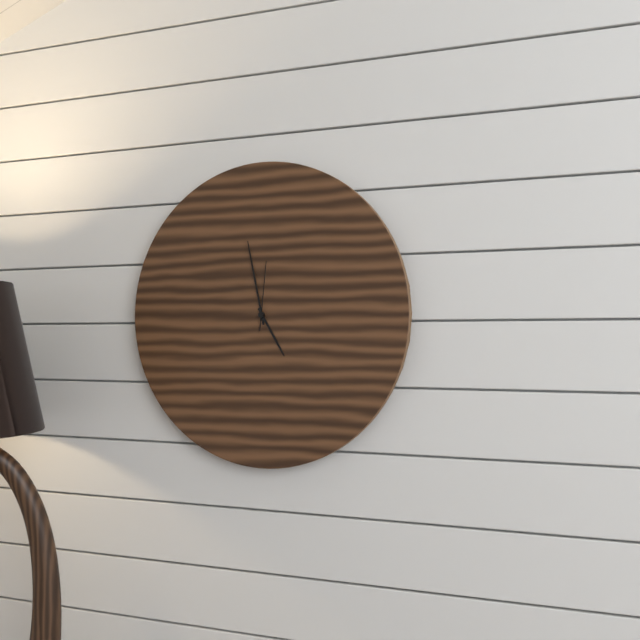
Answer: 4,58,01
